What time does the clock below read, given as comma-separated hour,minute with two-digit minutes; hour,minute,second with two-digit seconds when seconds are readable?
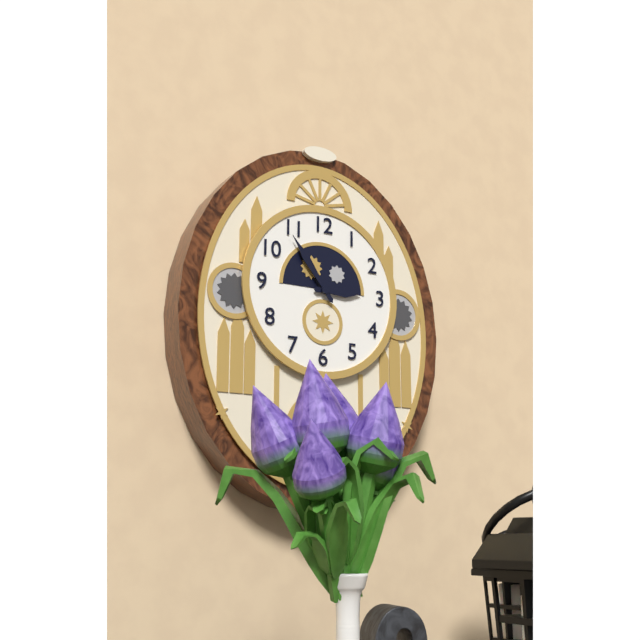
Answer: 2,54
